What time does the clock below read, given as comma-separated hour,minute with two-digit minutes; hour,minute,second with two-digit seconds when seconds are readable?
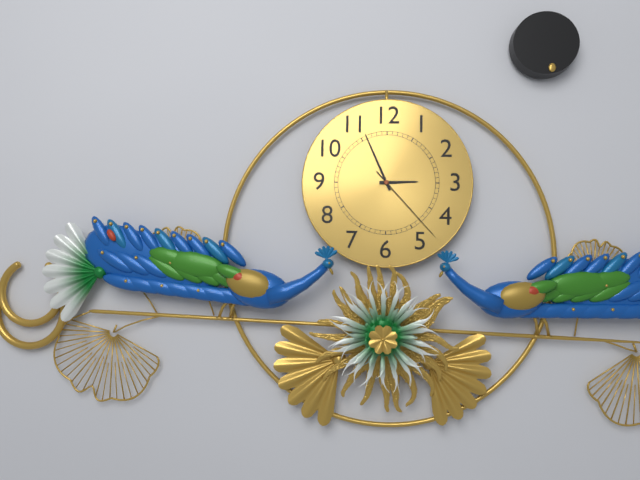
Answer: 2,56,23
